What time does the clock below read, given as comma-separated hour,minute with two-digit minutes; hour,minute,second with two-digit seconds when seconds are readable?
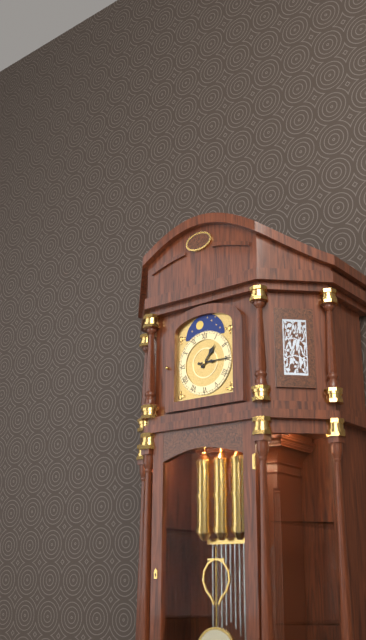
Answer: 1,15
